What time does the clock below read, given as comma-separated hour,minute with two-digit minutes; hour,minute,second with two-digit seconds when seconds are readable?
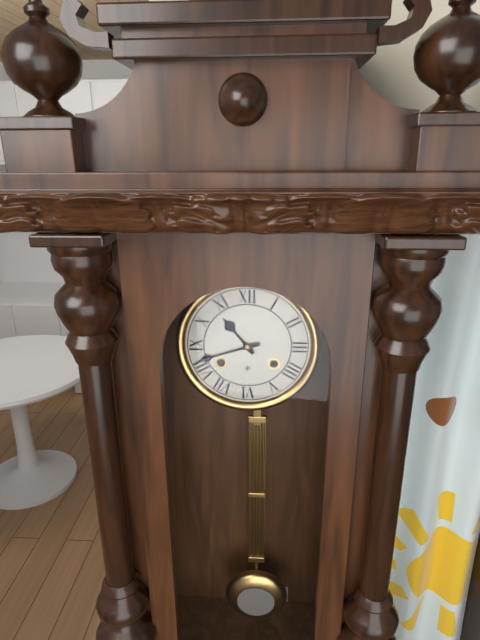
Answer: 10,42
